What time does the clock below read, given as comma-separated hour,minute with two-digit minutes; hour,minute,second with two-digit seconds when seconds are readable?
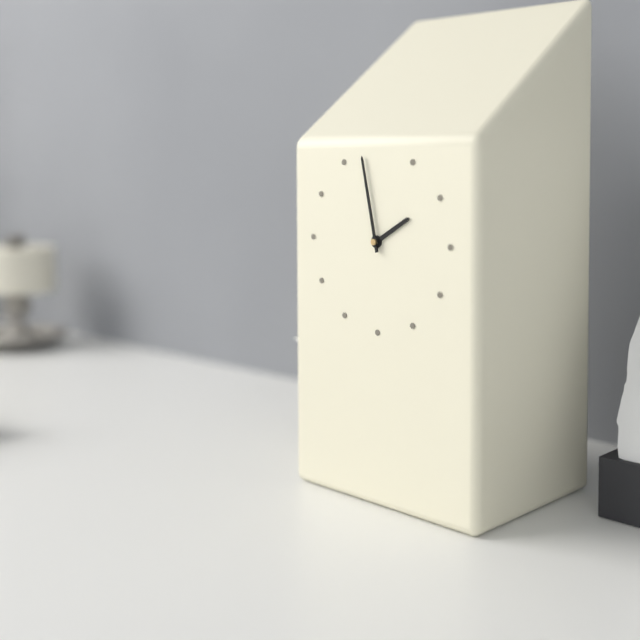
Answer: 1,58
